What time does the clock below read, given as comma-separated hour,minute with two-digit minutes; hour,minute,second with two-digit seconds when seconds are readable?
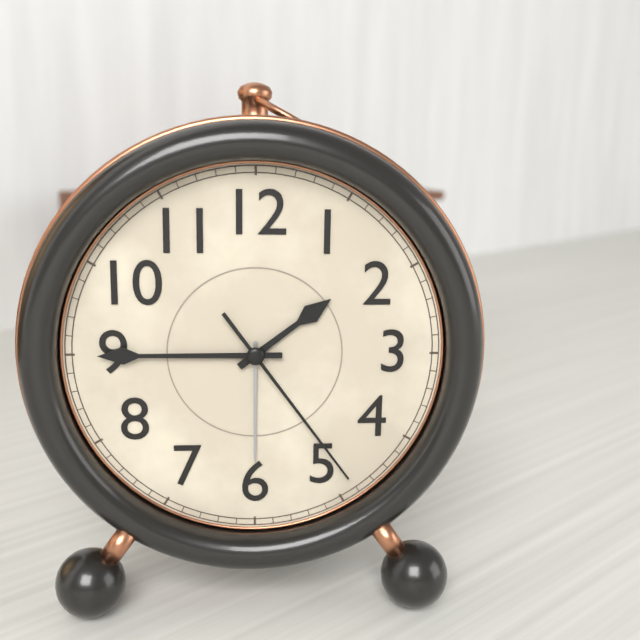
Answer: 1,45,24
